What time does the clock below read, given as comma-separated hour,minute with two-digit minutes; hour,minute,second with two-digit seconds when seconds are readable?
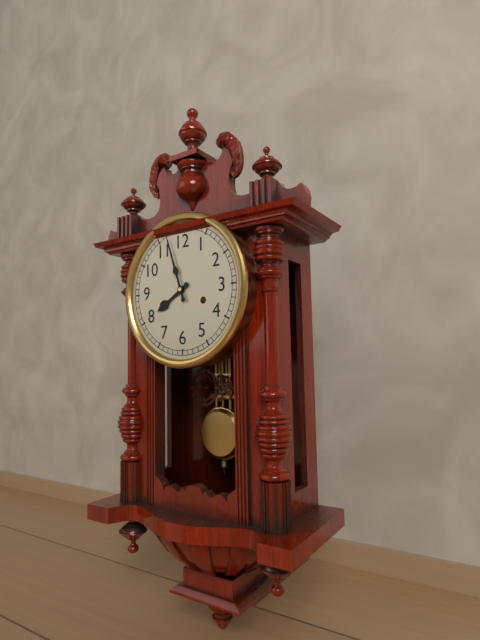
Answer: 7,57
